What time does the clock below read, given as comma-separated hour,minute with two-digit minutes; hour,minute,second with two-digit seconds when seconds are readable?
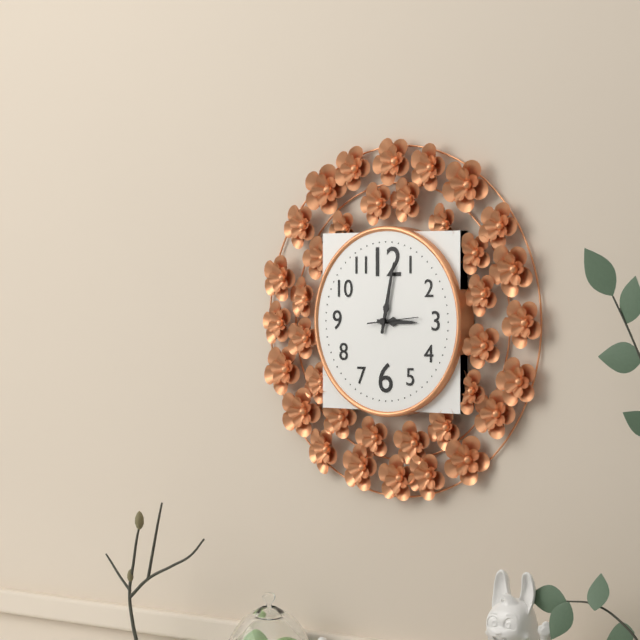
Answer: 3,02
